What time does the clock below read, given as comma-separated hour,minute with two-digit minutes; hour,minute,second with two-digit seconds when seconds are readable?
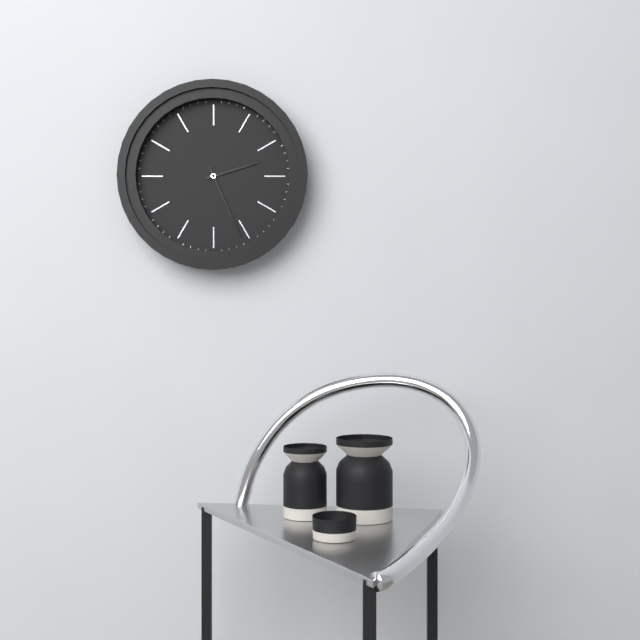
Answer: 2,26
